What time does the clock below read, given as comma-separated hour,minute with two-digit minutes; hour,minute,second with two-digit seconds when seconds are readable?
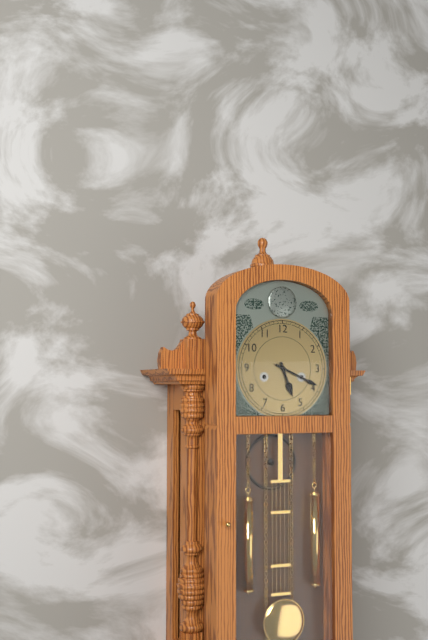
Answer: 5,19
